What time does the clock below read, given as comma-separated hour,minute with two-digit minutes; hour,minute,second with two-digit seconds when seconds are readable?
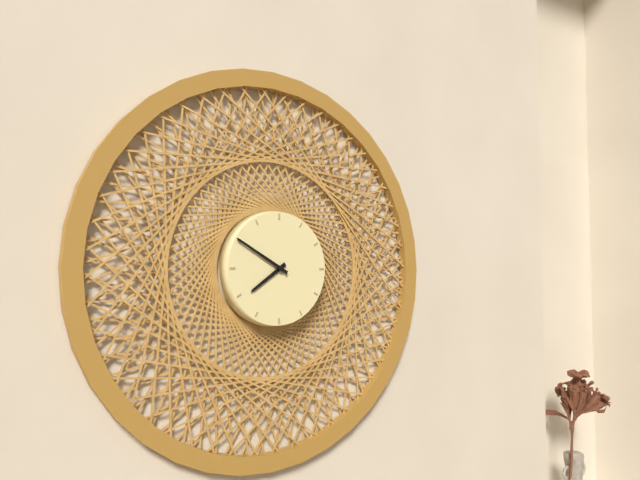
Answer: 7,50
